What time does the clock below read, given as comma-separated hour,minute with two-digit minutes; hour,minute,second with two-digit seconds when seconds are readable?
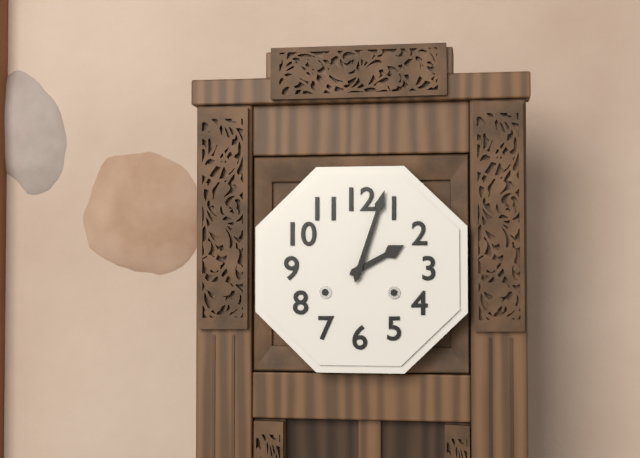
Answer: 2,03
